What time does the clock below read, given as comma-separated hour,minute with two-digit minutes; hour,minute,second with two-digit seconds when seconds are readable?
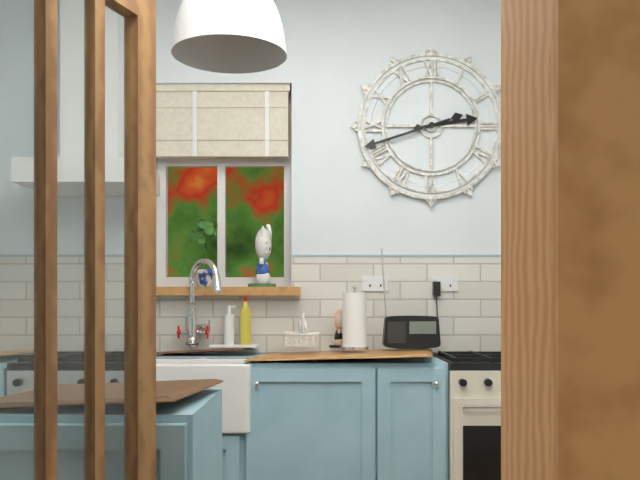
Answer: 2,42
